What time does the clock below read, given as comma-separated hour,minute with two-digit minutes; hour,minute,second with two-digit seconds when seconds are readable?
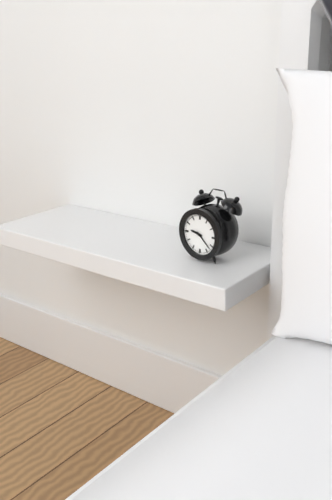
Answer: 9,22
